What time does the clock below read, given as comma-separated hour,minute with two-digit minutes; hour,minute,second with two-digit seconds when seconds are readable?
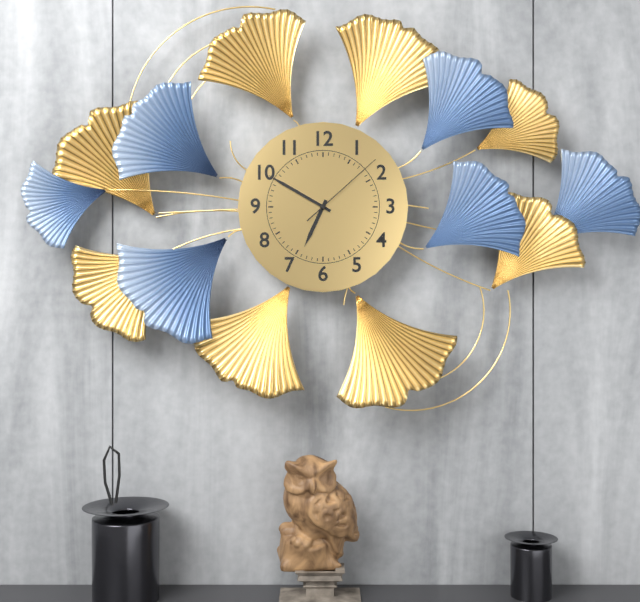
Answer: 6,50,08
